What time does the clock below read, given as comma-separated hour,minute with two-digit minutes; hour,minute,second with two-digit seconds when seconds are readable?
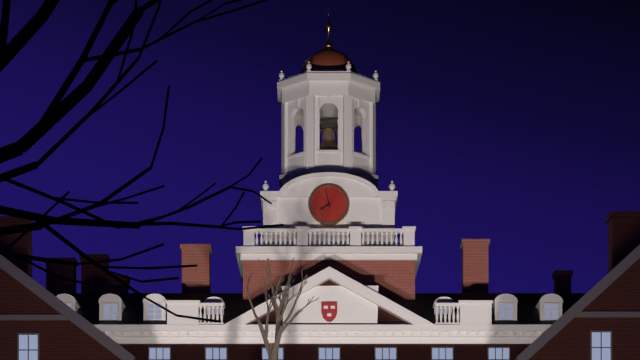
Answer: 7,58
